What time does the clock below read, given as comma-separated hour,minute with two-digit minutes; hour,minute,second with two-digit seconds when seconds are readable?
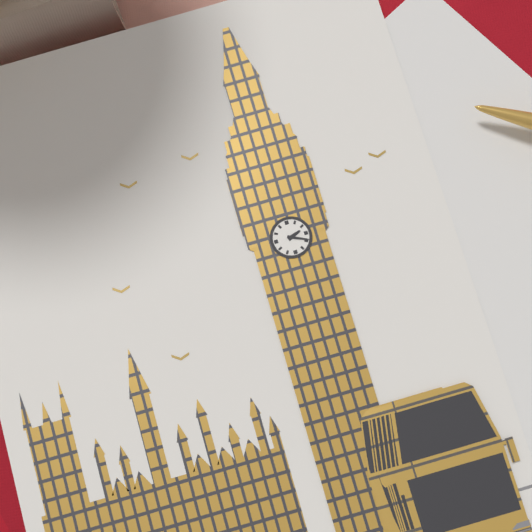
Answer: 2,19
